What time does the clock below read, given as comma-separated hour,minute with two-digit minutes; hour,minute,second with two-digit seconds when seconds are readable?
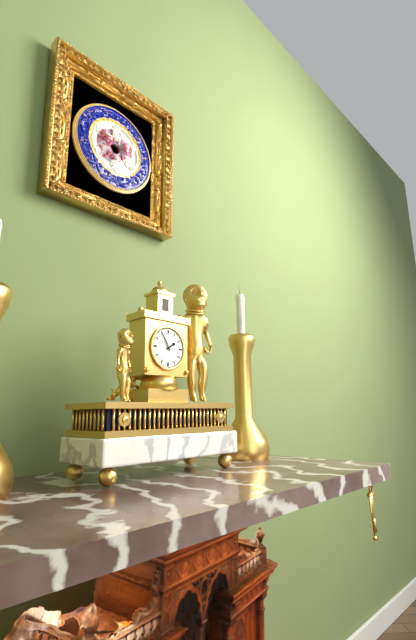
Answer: 1,55
